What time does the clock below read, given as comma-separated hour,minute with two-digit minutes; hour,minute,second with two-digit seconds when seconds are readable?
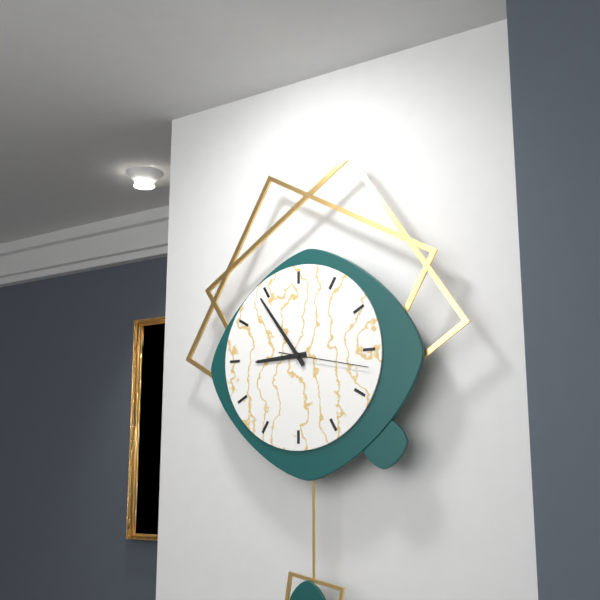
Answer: 8,54,17
